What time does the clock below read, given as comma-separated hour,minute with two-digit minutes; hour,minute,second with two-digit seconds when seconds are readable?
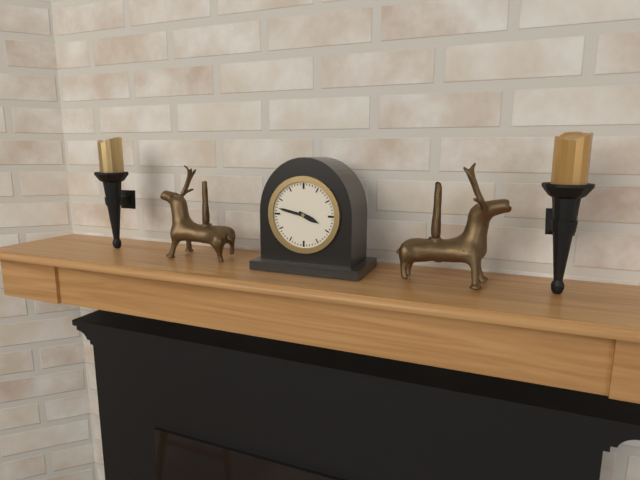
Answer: 3,47
